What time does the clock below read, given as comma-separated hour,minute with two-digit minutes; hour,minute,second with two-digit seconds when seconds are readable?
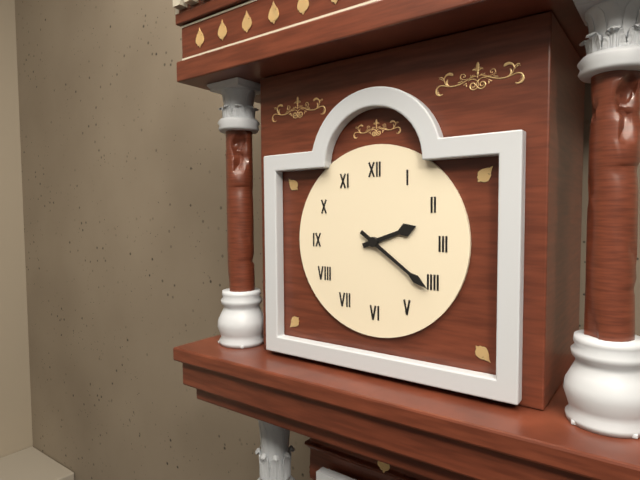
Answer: 2,21
